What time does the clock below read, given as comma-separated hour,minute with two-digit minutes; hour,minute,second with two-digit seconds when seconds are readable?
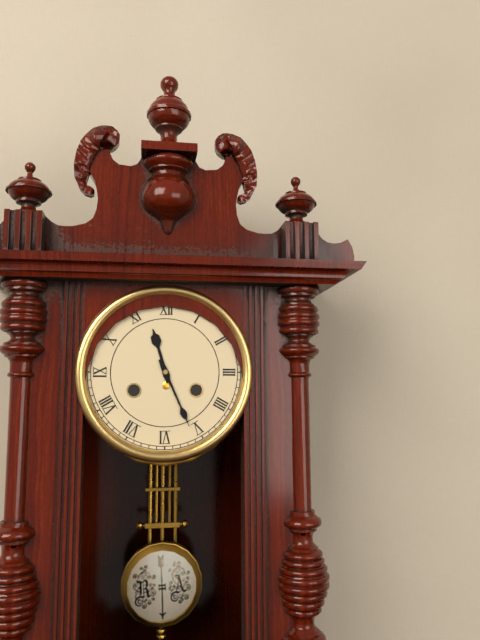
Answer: 11,26
